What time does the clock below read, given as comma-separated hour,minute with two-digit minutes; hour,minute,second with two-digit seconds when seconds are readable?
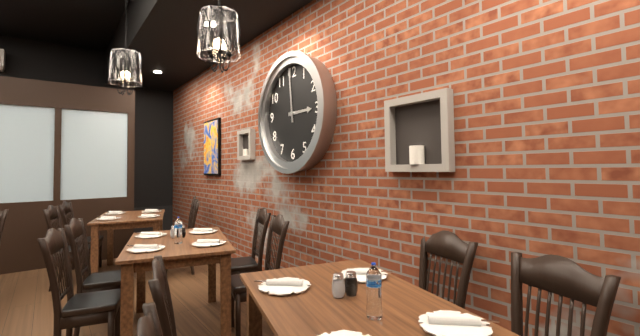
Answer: 2,59
